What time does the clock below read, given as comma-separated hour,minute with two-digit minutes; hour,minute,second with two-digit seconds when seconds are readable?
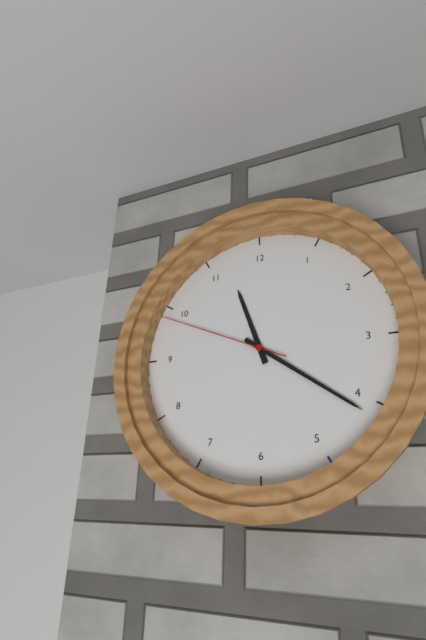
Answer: 11,21,49
